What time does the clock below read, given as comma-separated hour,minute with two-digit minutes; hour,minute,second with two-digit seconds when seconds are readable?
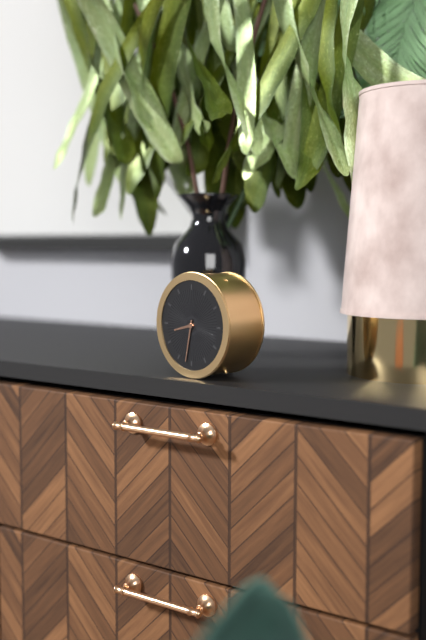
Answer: 8,32
